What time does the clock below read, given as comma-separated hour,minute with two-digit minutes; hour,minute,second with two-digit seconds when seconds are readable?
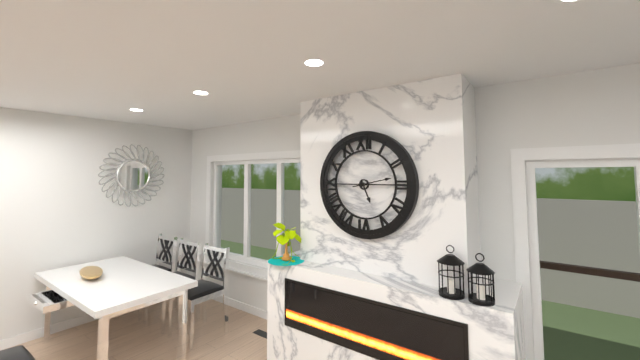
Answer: 5,13
